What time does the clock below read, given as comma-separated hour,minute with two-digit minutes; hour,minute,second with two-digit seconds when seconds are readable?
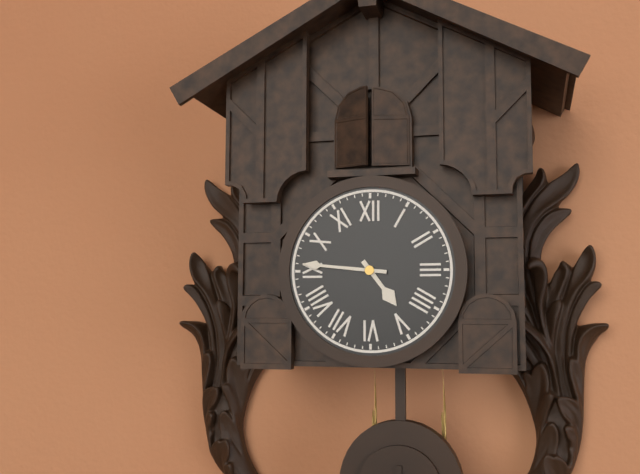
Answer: 4,46
